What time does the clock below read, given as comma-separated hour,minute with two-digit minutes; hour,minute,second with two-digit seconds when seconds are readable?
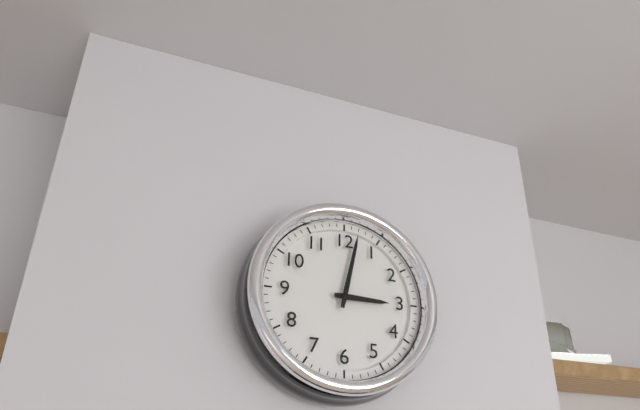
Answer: 3,02
